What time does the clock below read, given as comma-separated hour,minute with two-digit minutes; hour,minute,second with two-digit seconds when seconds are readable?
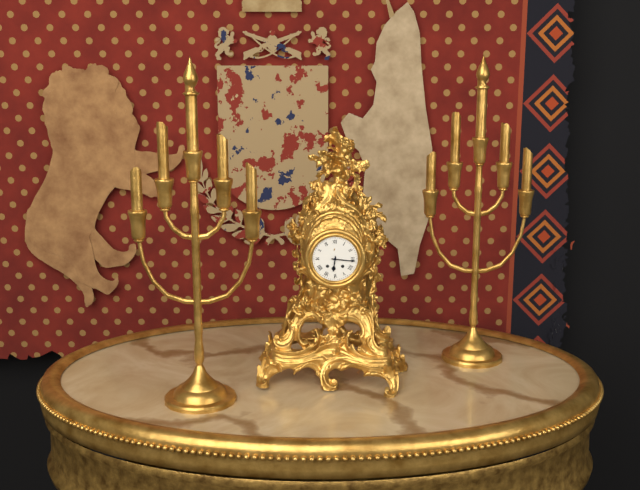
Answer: 6,16
